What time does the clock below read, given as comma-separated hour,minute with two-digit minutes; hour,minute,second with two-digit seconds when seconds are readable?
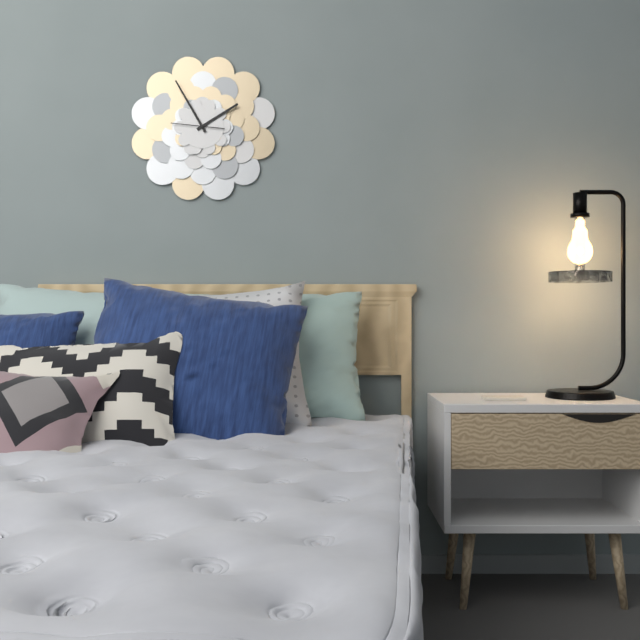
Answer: 1,55
